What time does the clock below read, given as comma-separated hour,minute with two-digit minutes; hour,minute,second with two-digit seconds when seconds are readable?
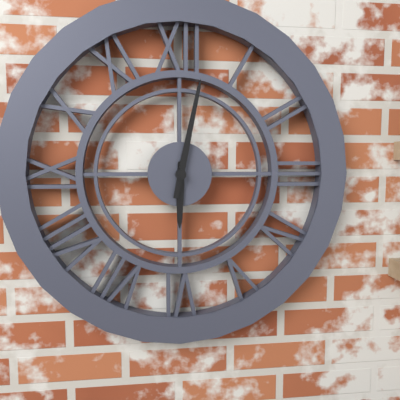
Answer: 6,02
